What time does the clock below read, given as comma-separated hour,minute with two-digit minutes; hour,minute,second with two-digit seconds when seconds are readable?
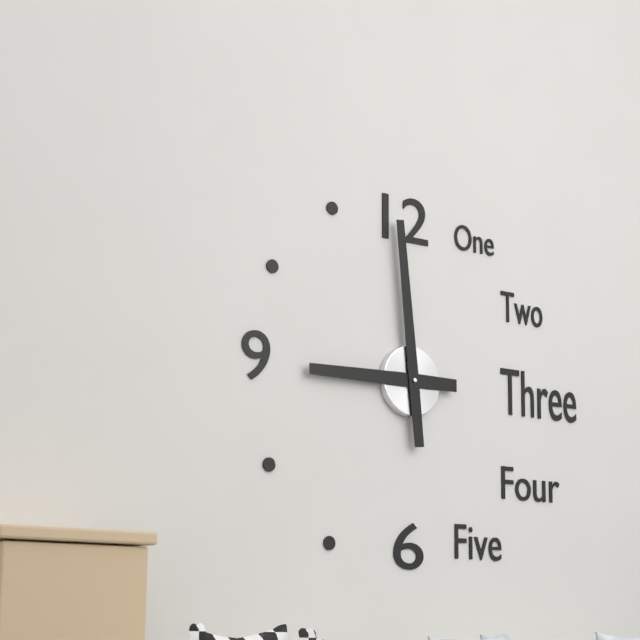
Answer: 8,59
